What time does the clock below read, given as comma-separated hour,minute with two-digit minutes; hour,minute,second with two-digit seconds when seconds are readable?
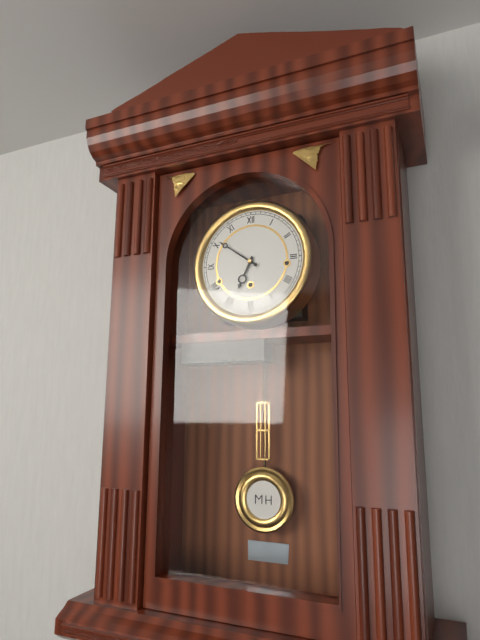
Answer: 6,51
